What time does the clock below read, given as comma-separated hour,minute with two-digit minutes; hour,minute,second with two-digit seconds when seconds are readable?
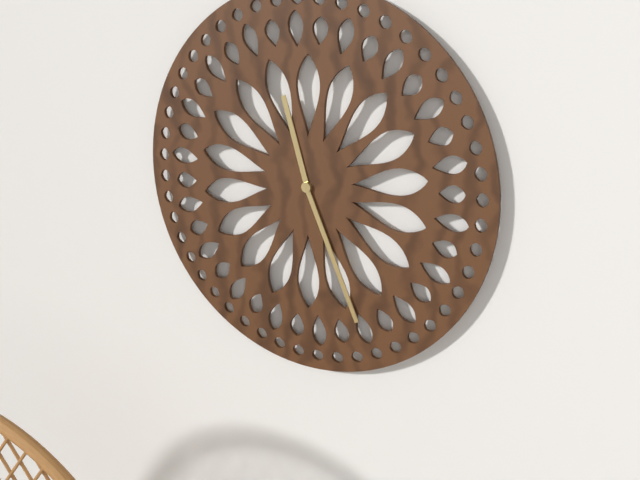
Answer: 11,26
